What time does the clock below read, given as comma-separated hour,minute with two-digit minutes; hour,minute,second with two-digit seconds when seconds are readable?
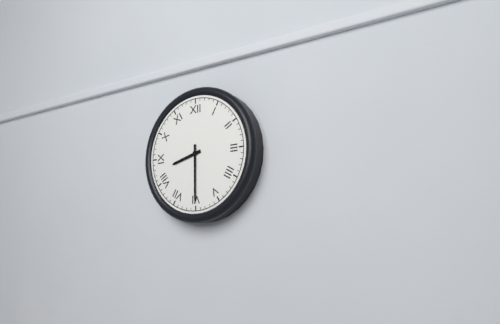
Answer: 8,30
